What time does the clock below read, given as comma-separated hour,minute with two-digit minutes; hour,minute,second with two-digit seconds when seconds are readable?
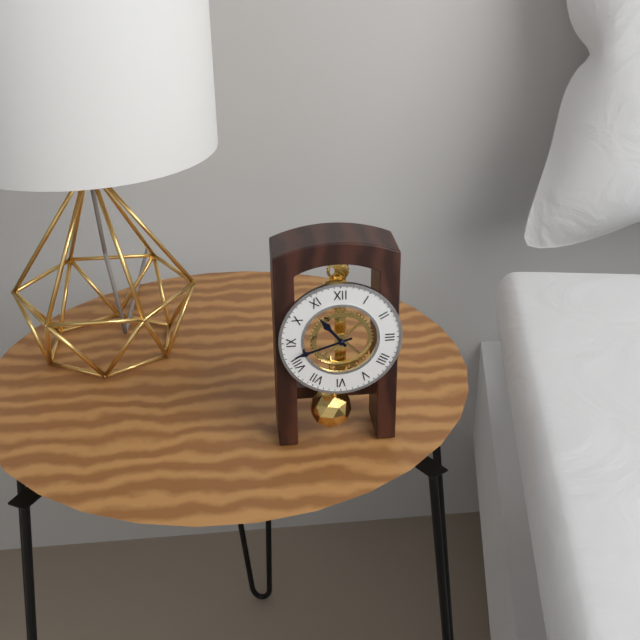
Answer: 10,42
